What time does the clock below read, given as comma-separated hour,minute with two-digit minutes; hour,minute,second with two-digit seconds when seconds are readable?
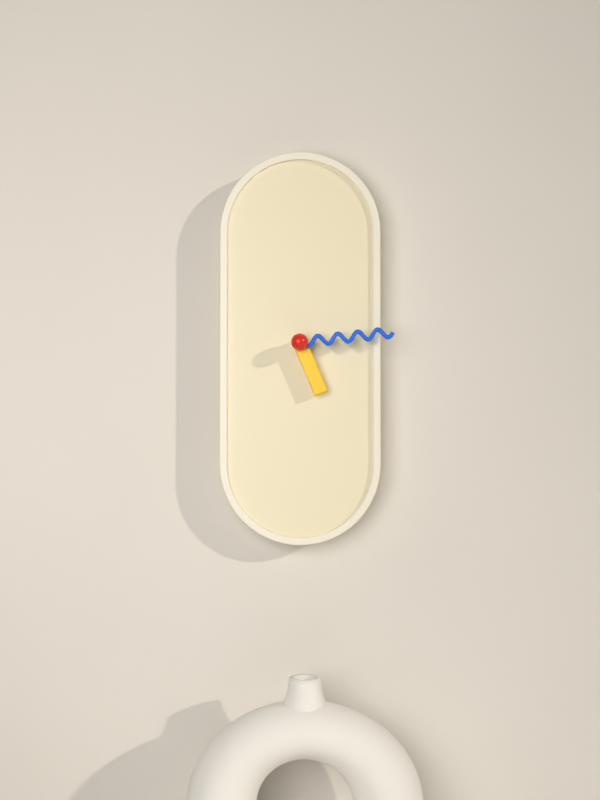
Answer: 5,14
